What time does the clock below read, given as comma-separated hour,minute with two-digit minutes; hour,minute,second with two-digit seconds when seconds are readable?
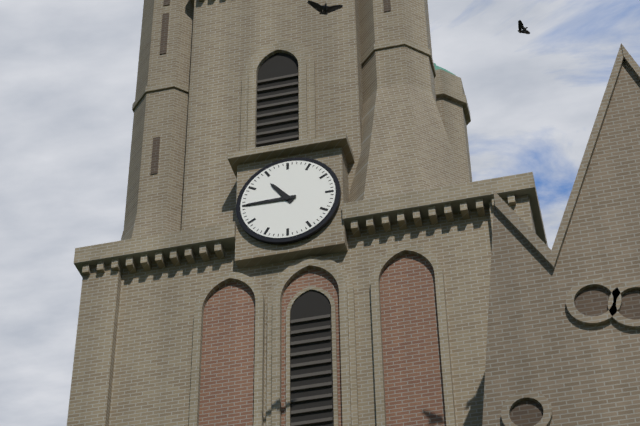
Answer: 10,45
